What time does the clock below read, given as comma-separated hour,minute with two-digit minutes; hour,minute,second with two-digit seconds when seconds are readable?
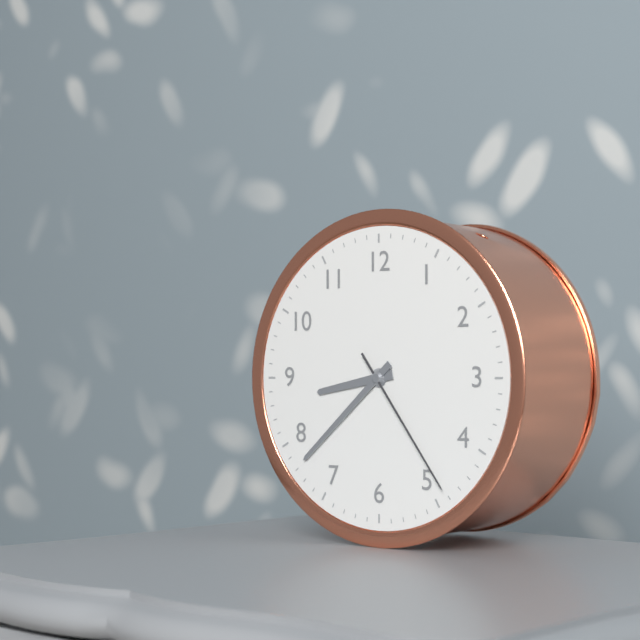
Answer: 8,38,24
